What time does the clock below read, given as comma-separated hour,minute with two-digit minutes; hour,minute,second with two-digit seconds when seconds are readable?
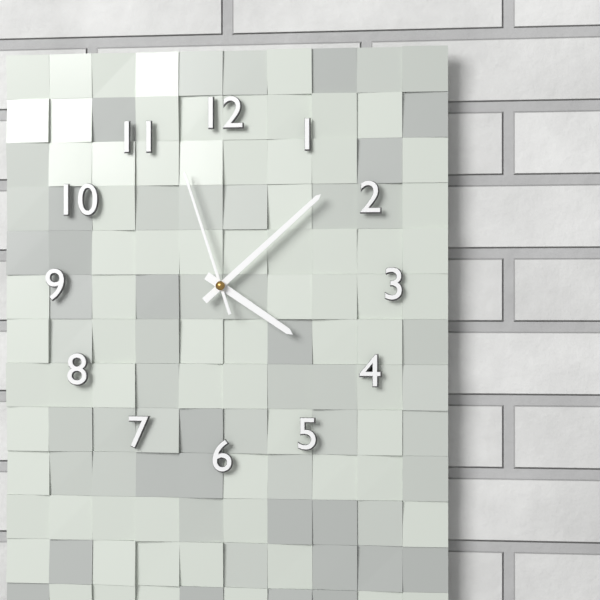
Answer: 4,08,57
